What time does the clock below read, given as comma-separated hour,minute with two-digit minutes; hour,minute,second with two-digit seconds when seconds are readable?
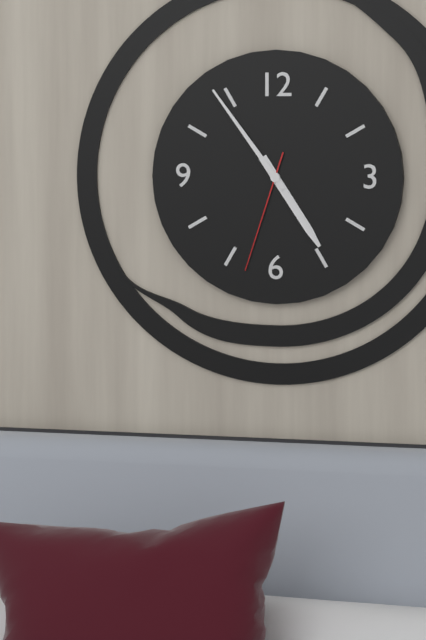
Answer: 4,54,33
